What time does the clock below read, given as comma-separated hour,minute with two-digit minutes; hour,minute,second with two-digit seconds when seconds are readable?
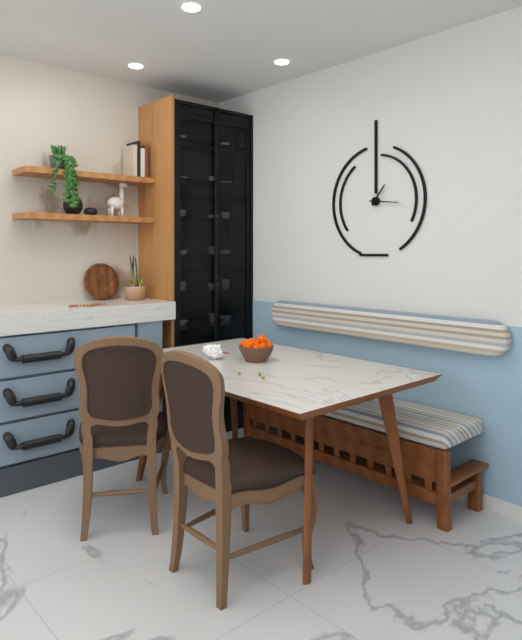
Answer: 1,16
